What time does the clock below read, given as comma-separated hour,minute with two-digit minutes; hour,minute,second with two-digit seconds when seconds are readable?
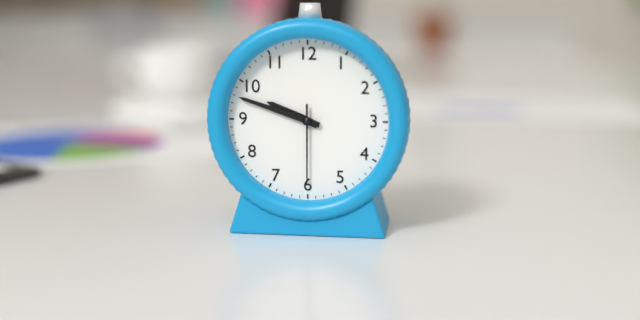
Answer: 9,48,30
